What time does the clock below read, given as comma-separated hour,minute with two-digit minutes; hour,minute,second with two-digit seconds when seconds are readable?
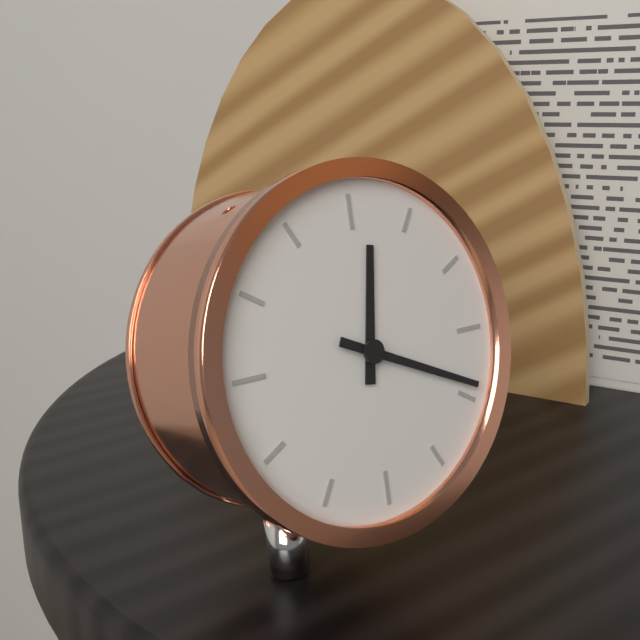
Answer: 12,19
